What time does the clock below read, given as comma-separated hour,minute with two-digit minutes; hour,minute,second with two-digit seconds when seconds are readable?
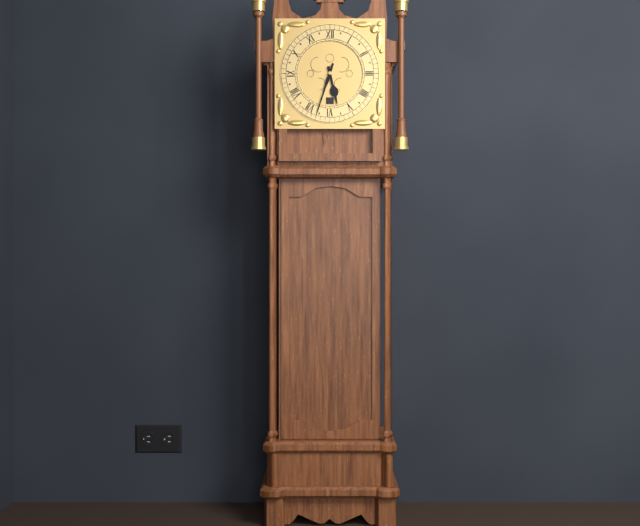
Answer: 5,33
